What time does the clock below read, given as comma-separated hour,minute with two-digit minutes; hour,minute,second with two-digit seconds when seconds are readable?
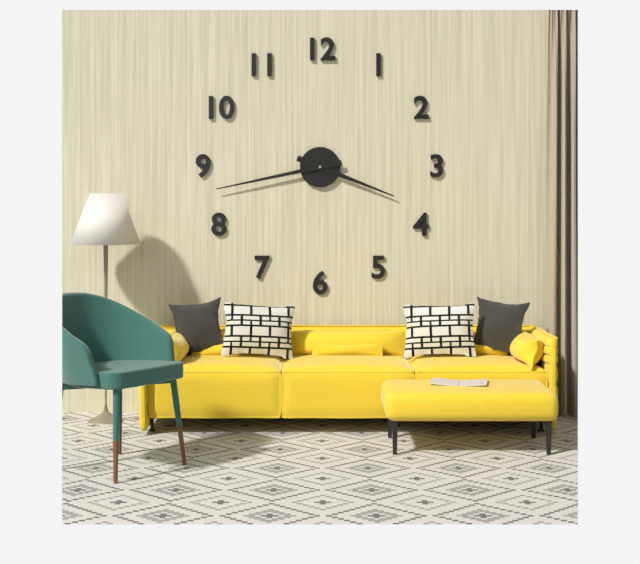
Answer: 3,43
